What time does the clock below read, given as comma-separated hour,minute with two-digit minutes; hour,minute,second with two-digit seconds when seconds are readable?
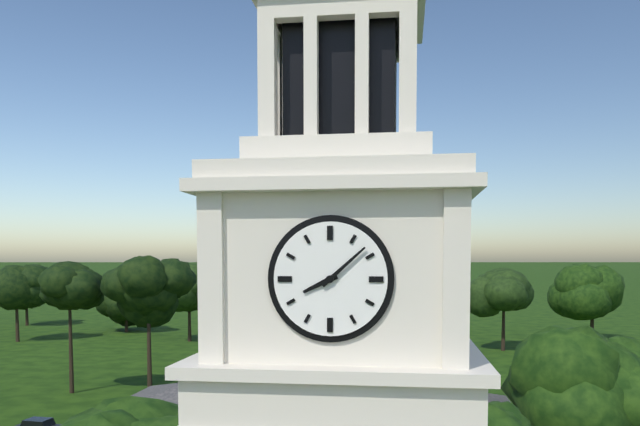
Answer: 8,08
